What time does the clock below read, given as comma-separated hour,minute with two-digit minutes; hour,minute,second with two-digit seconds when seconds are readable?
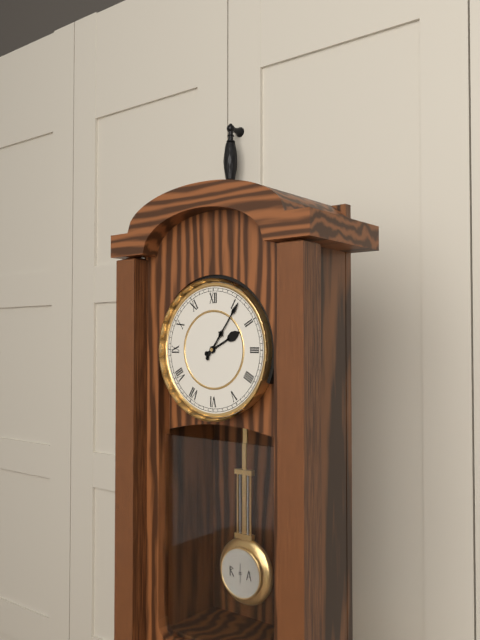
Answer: 2,06
